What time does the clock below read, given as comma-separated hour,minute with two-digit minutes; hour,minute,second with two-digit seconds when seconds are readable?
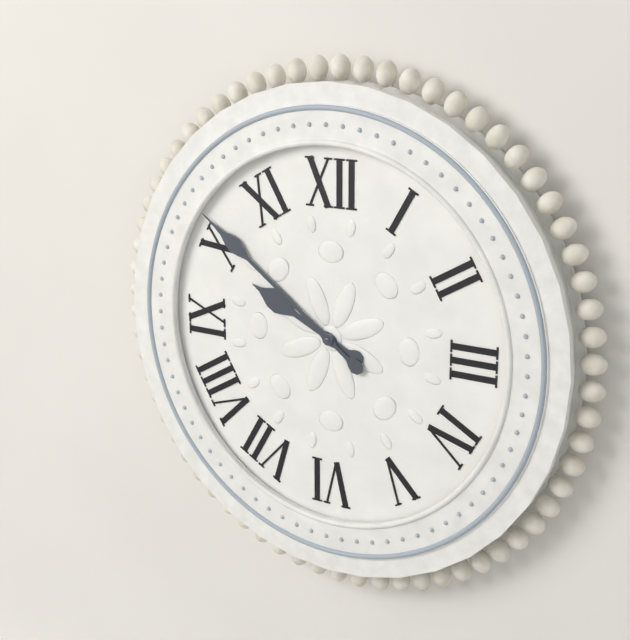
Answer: 9,51
